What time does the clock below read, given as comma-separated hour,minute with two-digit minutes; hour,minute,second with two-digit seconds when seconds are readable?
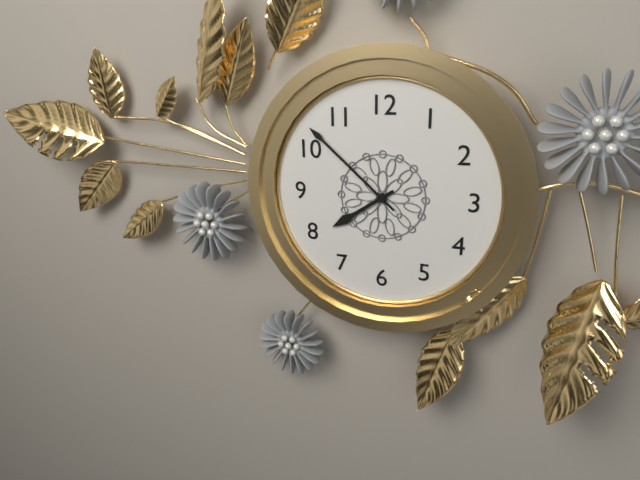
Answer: 7,52
